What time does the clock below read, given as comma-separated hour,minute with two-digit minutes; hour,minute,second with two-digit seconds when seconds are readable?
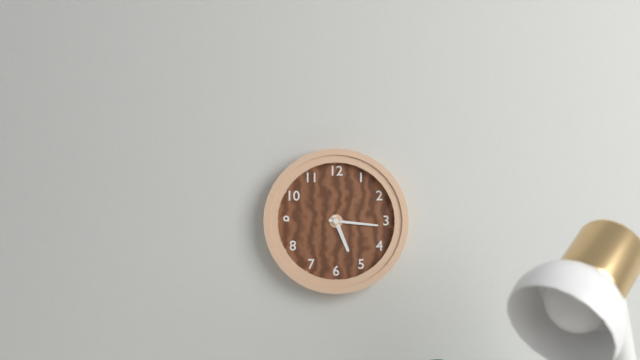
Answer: 5,16
